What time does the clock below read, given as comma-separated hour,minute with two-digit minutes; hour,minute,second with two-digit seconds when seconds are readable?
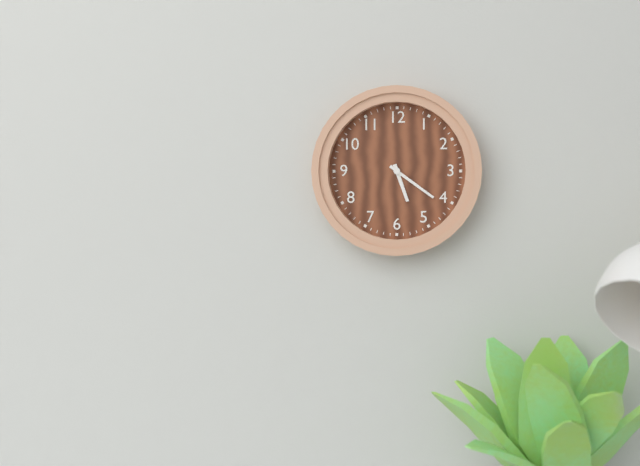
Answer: 5,21
